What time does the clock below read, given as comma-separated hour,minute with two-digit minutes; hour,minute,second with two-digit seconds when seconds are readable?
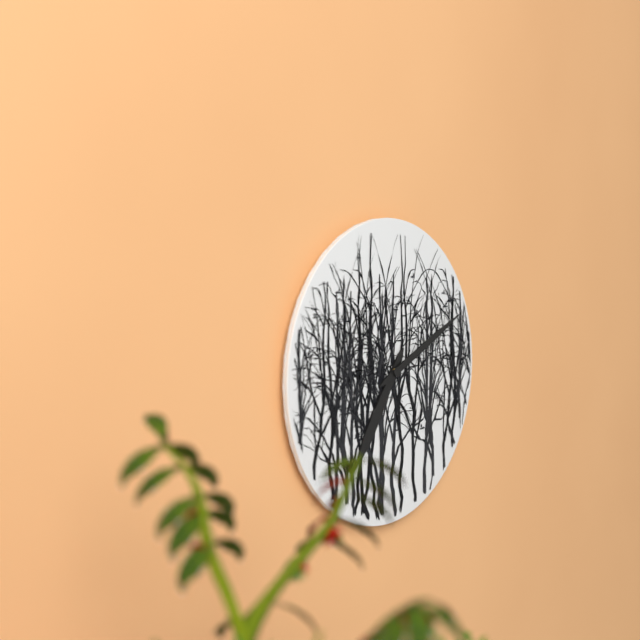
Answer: 7,11
